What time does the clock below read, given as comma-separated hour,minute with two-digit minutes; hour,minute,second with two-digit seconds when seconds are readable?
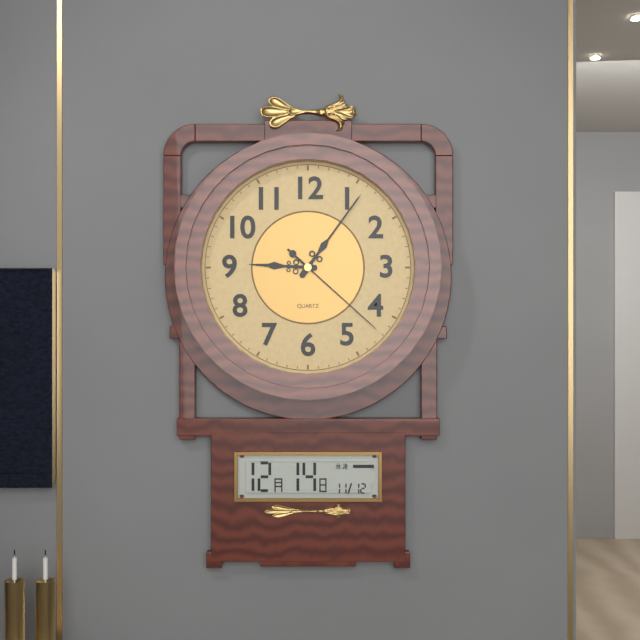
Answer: 9,06,22
